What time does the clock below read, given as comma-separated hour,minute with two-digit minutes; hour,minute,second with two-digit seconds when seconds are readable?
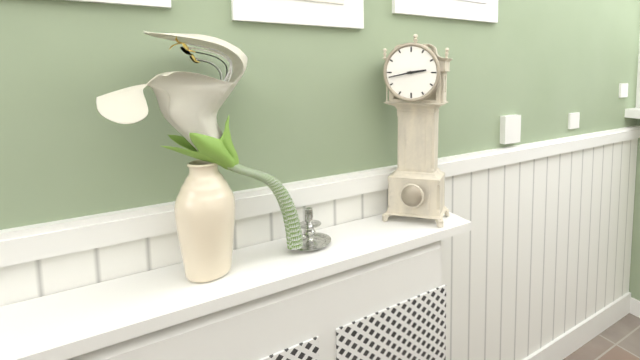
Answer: 2,43
